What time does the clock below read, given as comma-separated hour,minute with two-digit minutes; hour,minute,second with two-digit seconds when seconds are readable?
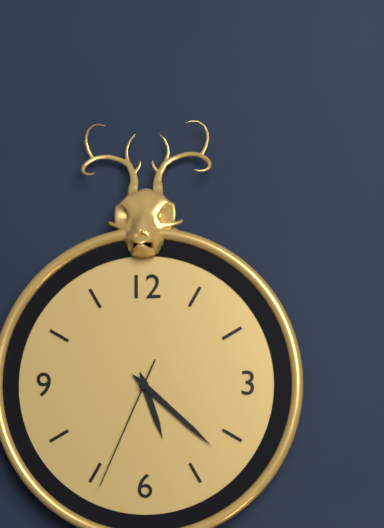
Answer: 5,22,34
